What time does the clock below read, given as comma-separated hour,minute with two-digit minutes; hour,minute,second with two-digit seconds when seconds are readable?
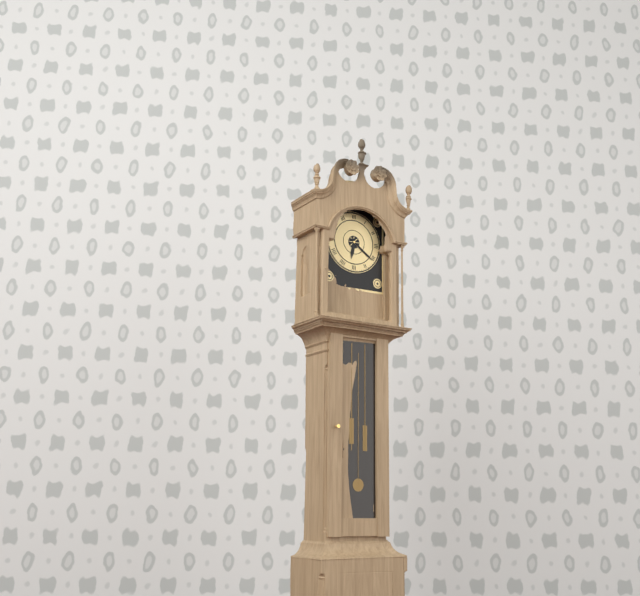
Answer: 6,21
